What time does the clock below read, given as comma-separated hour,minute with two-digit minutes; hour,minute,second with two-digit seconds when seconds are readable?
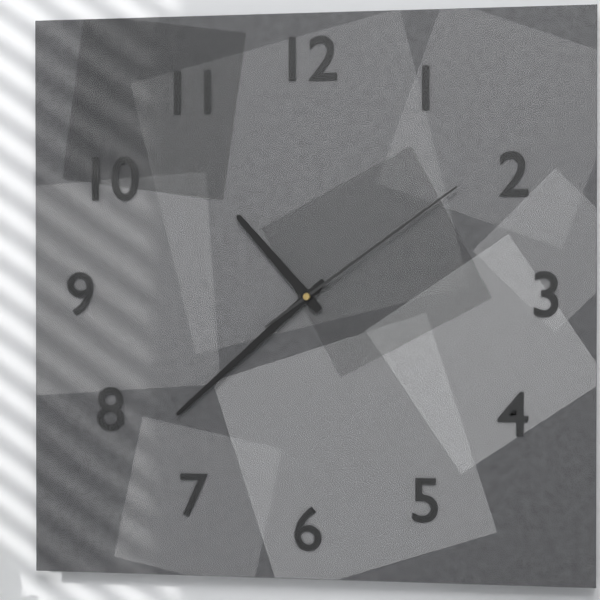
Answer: 10,38,09
